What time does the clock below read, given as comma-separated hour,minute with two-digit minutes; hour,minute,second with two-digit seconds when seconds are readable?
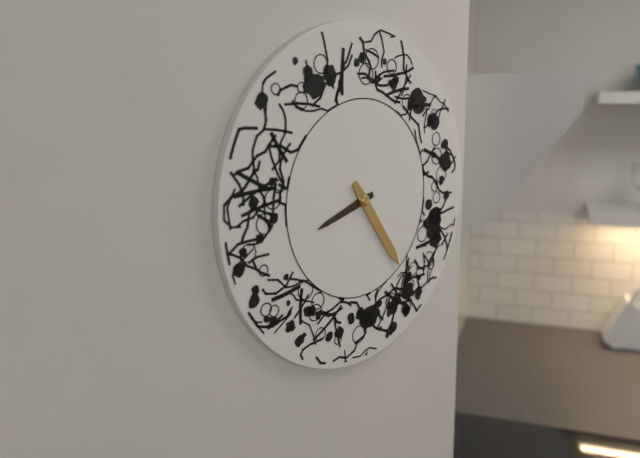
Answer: 8,24
